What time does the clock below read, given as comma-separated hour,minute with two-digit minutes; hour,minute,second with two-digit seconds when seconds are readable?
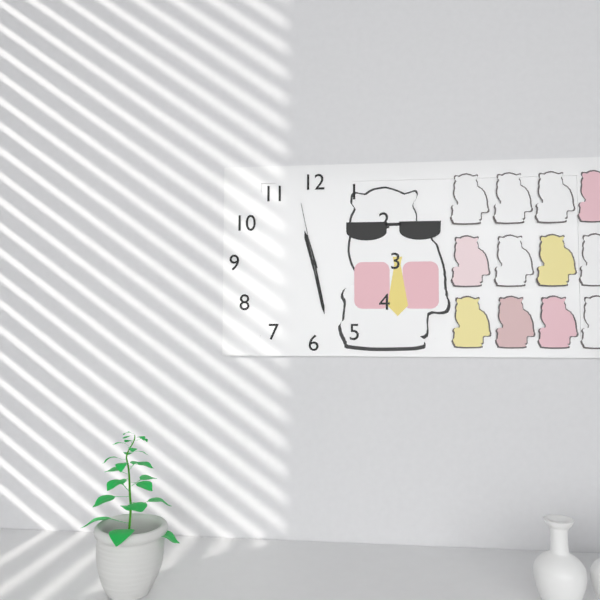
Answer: 11,28,58
